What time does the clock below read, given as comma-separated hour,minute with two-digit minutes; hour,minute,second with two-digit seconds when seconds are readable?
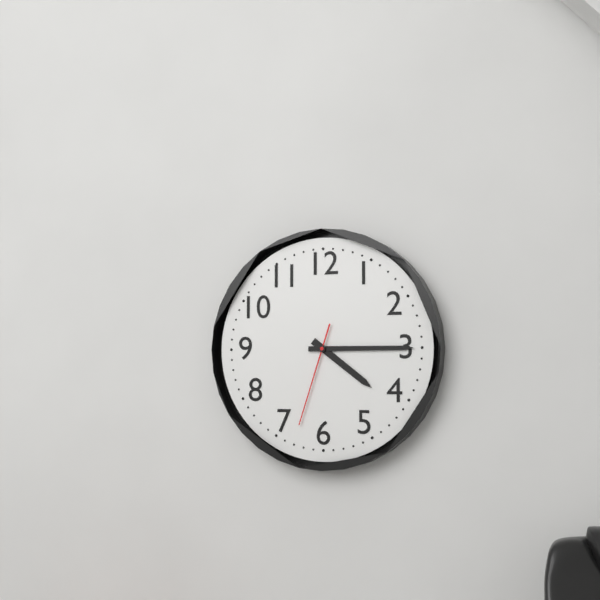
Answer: 4,15,33
